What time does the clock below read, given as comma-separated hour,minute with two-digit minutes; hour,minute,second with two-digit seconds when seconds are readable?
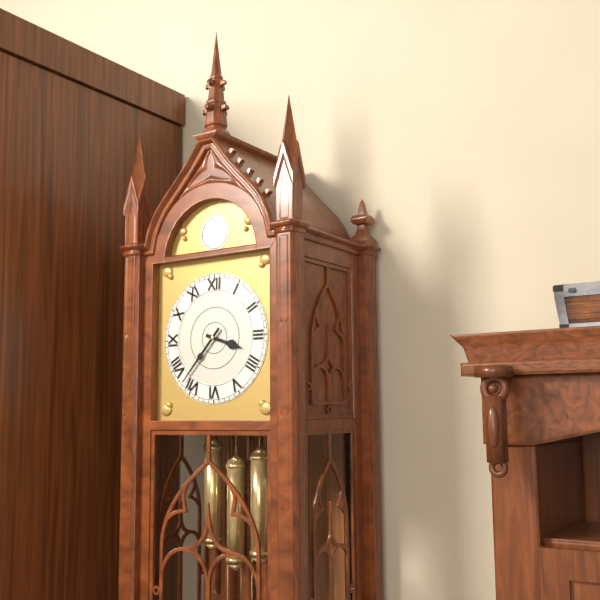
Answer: 3,37
